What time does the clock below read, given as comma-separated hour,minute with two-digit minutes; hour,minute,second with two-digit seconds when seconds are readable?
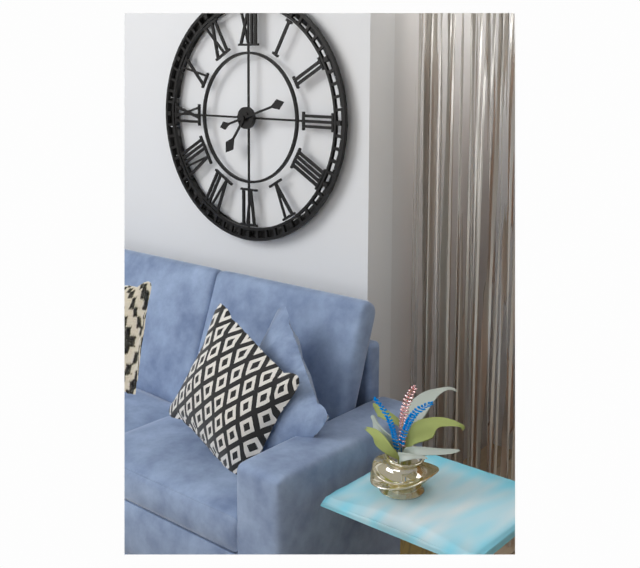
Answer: 7,12
